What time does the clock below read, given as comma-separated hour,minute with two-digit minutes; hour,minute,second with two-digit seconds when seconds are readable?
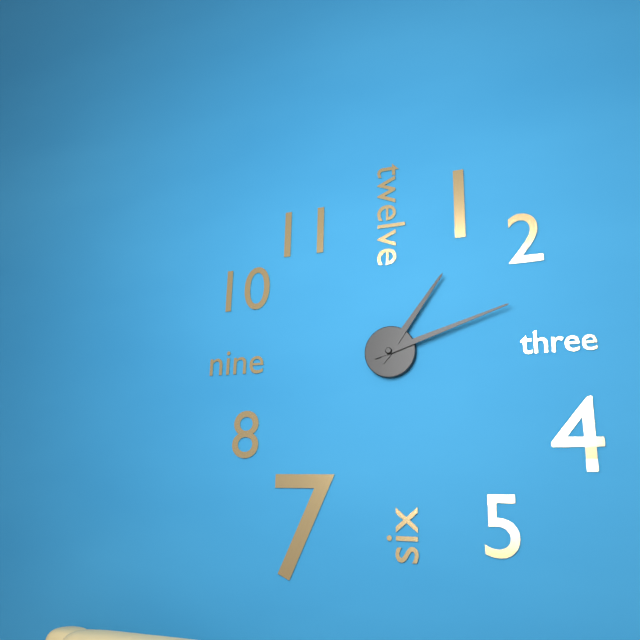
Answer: 1,12
